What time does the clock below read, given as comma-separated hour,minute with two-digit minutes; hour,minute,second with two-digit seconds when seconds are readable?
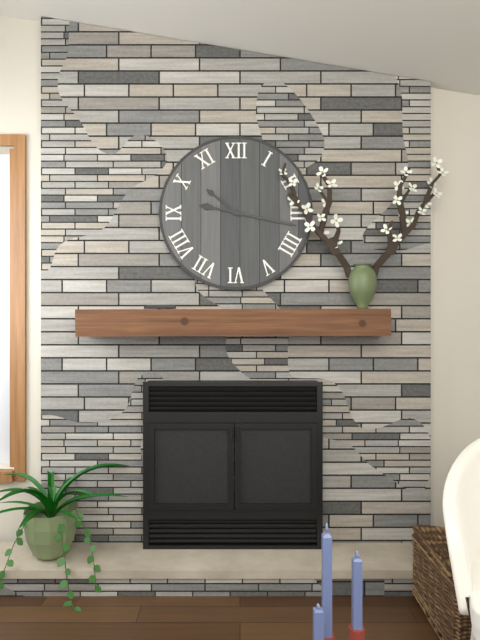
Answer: 10,17
